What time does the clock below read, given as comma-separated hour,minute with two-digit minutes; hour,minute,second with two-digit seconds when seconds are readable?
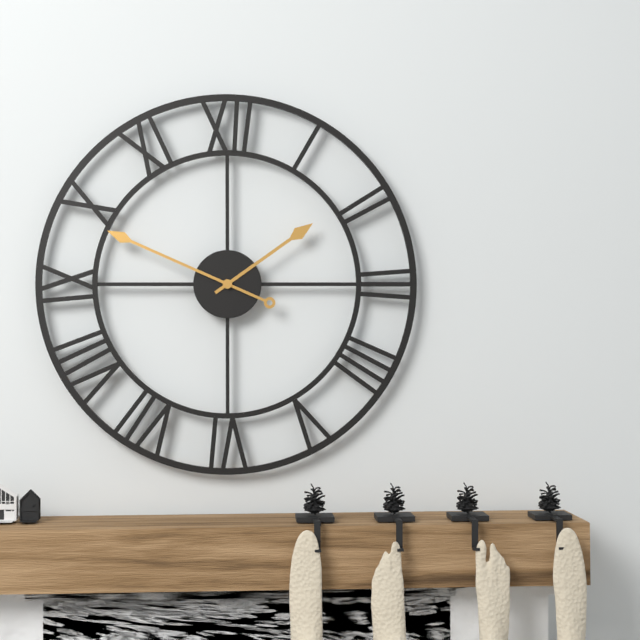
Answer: 1,49
